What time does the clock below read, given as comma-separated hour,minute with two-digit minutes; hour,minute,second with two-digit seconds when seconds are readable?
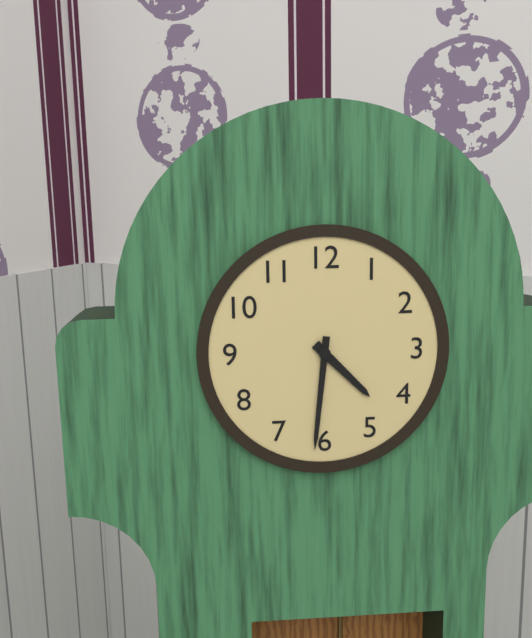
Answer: 4,31
